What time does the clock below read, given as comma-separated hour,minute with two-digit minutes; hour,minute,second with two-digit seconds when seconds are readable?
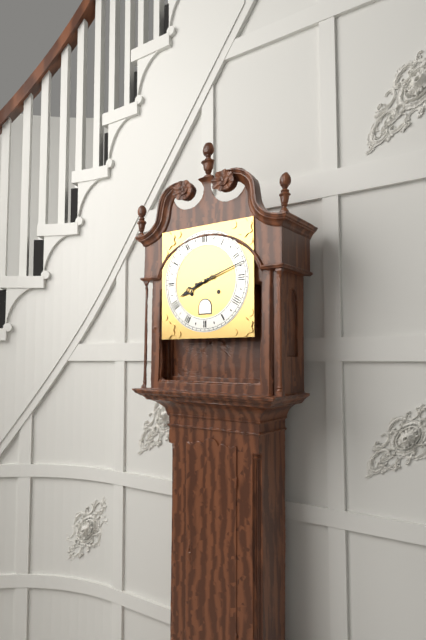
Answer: 8,12
